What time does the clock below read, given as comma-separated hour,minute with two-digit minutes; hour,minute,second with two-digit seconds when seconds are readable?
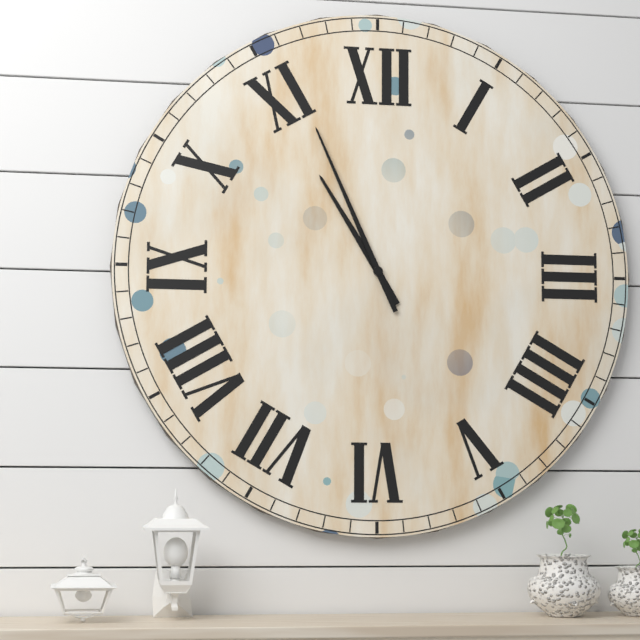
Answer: 10,56
